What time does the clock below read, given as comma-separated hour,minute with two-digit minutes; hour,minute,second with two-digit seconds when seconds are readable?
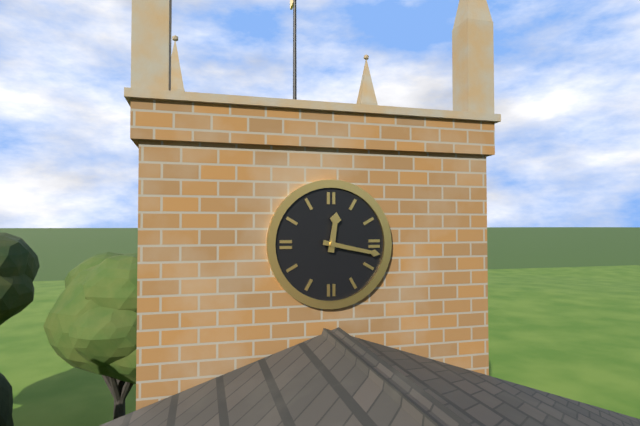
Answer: 12,17
